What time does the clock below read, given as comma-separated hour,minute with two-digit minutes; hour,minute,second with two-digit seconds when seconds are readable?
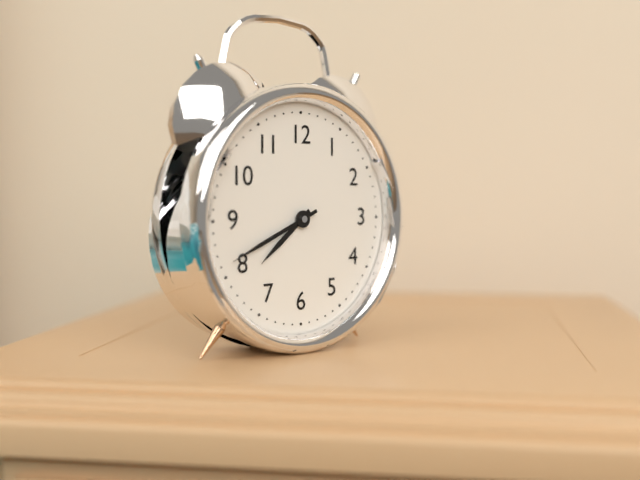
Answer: 7,41
